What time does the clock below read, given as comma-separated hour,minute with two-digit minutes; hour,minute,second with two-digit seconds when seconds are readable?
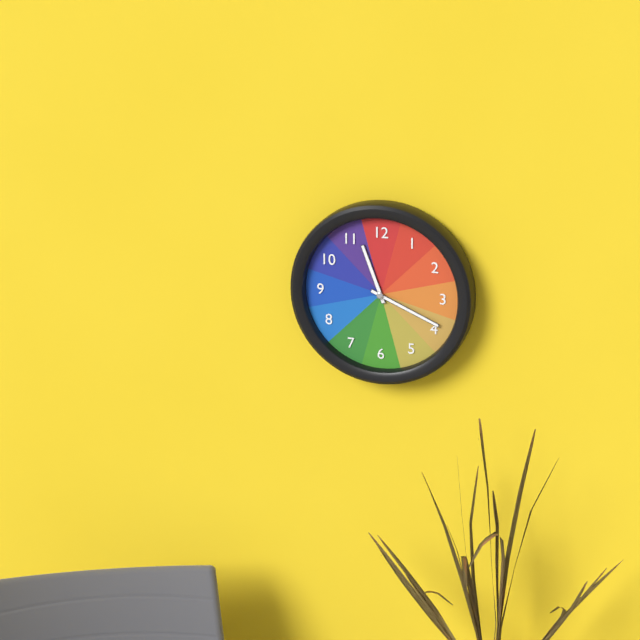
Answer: 11,19
